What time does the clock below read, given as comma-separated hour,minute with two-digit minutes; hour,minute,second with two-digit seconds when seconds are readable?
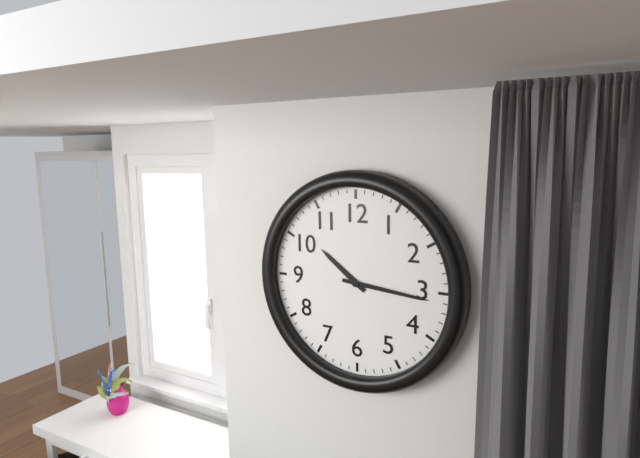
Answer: 10,16
